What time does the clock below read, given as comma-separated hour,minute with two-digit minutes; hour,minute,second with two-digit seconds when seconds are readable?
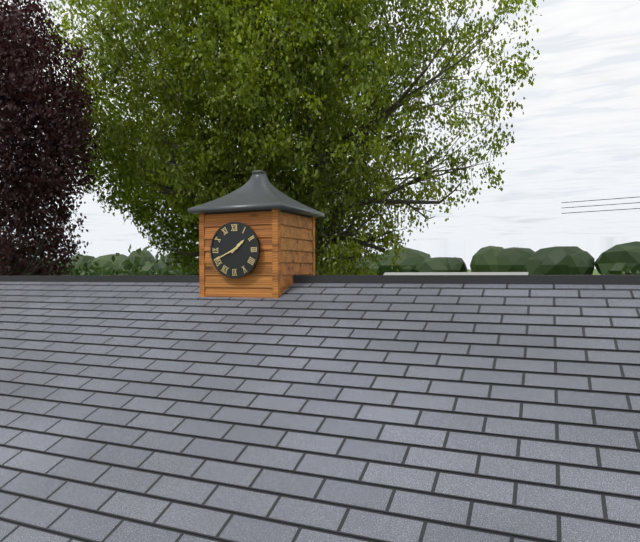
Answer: 1,41
